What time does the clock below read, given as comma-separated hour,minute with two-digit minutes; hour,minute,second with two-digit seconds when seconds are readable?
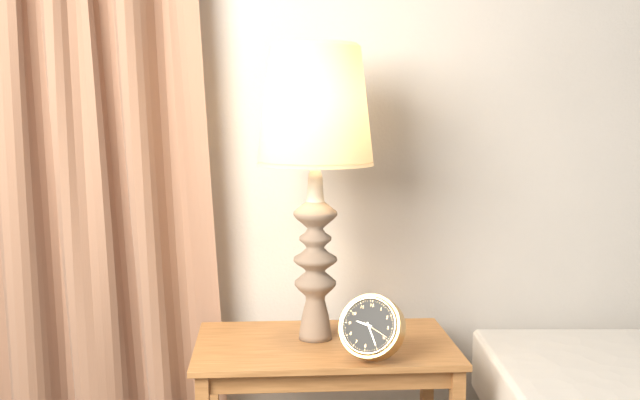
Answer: 9,25
